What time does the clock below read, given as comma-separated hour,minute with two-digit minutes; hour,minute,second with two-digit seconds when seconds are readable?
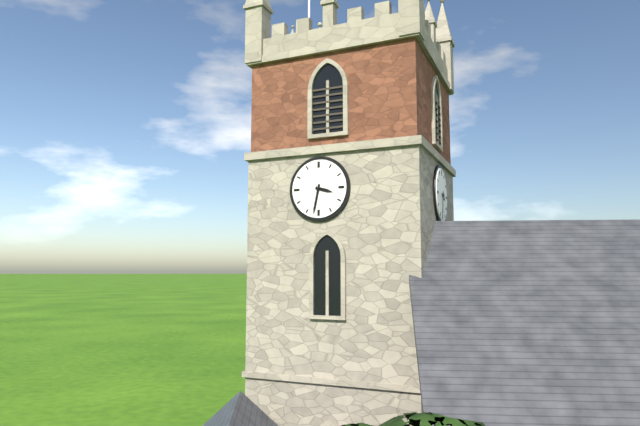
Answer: 3,32
